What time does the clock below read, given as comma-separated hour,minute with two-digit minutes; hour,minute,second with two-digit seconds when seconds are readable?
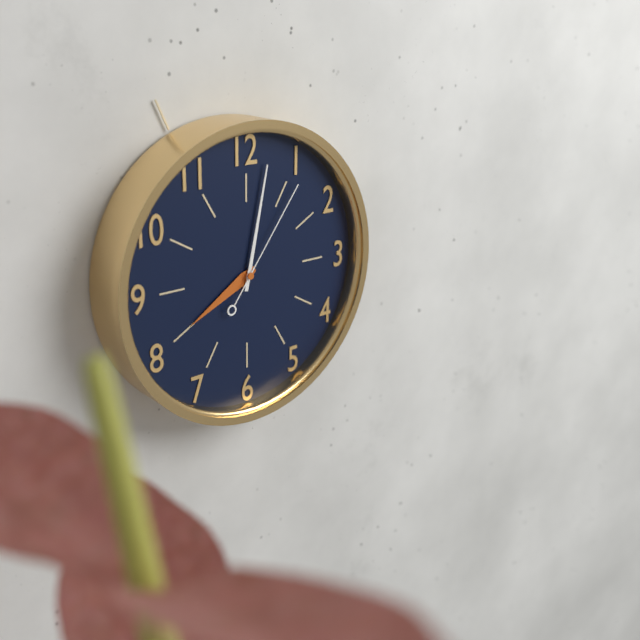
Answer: 8,02,06
